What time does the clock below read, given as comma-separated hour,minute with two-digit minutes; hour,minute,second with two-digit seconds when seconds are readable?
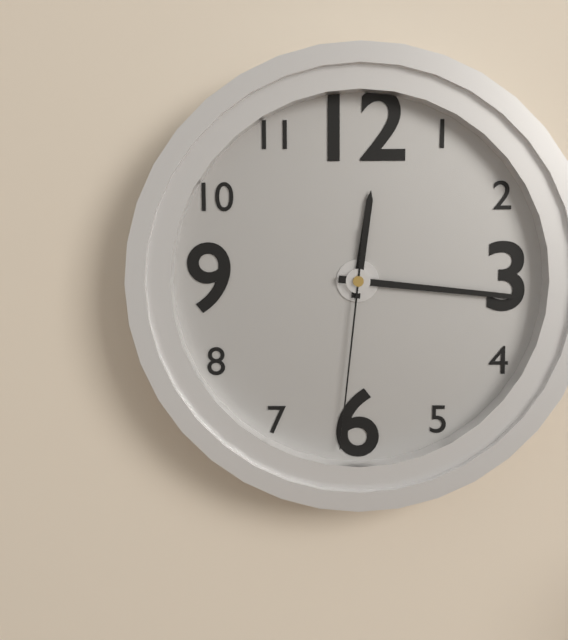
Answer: 12,16,31
